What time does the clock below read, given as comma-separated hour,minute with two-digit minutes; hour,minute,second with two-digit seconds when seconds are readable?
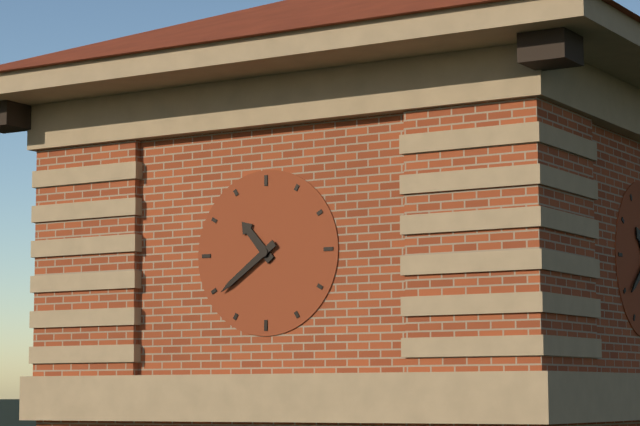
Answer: 10,39
